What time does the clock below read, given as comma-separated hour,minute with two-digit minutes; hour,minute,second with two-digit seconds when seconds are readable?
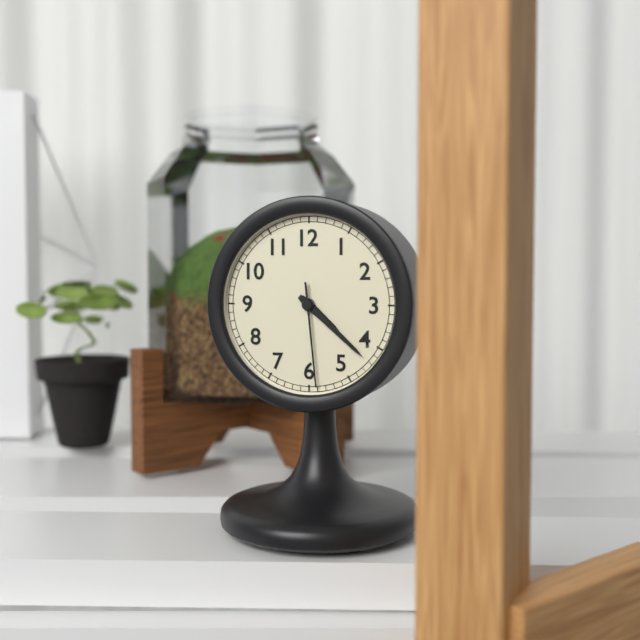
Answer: 4,22,29
